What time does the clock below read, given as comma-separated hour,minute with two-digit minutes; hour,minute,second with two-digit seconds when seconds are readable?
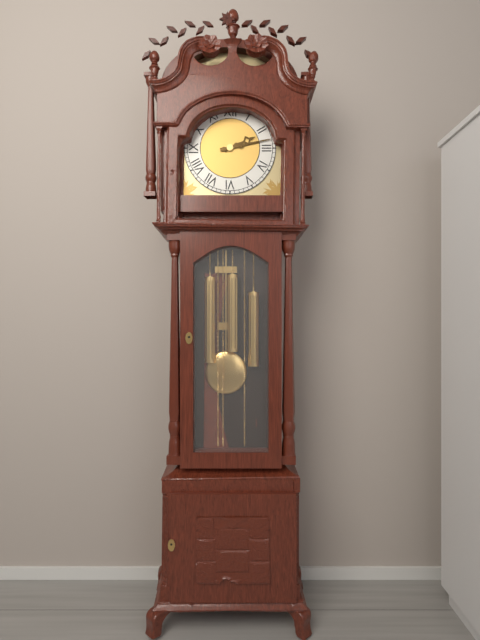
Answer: 2,13
